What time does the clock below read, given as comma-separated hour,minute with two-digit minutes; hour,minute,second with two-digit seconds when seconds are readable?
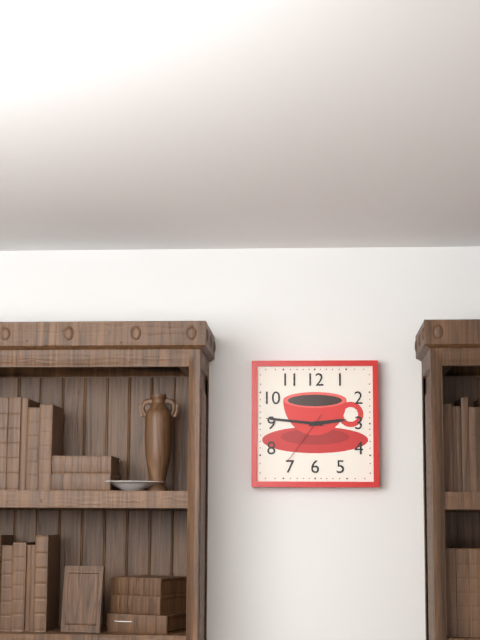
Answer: 2,46,36
